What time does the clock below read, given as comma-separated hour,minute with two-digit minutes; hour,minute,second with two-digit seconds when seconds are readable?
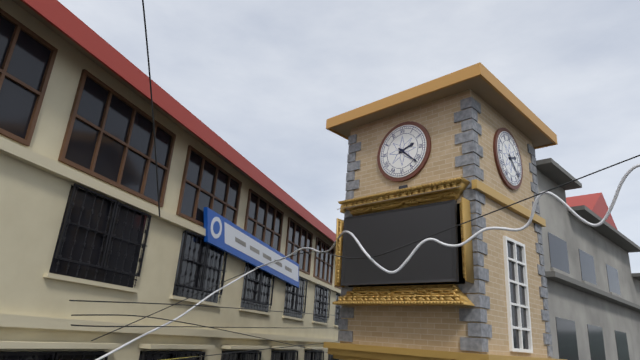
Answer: 2,22
